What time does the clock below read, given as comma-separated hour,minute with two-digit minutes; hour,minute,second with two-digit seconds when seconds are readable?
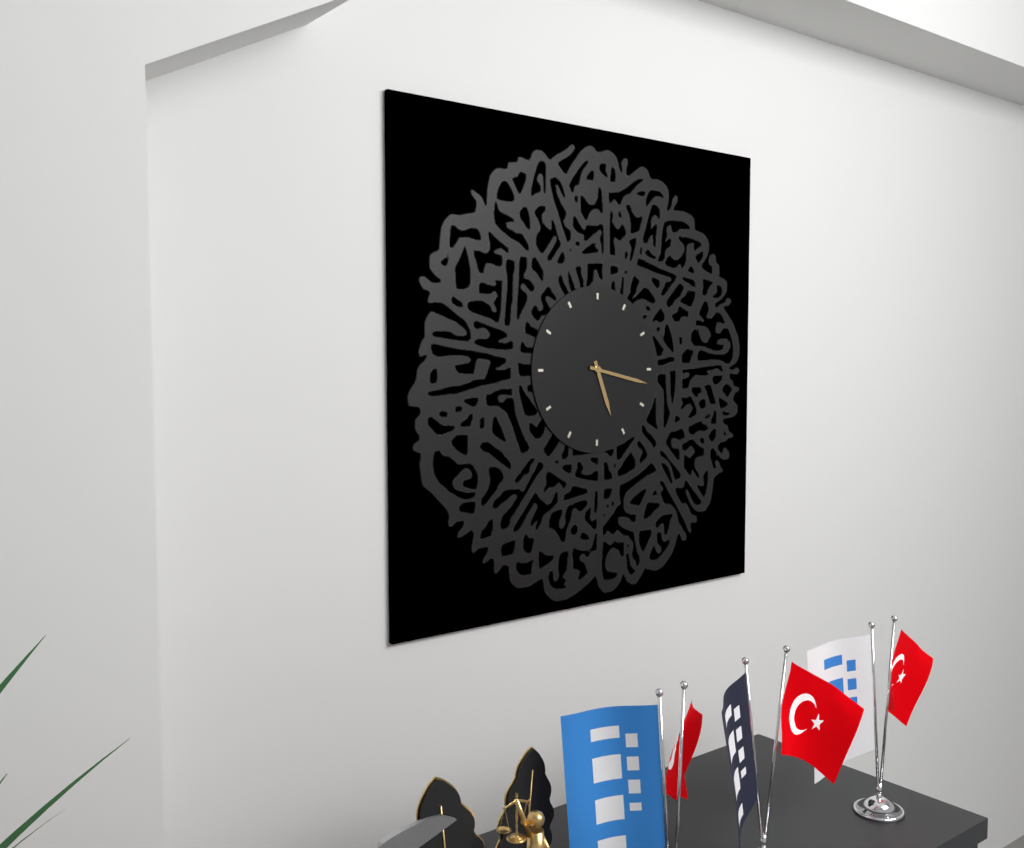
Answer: 5,17
